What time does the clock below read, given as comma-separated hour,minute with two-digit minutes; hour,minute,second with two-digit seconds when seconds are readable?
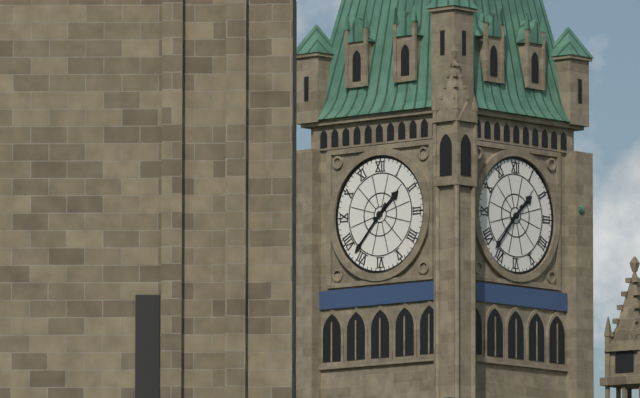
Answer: 1,37
